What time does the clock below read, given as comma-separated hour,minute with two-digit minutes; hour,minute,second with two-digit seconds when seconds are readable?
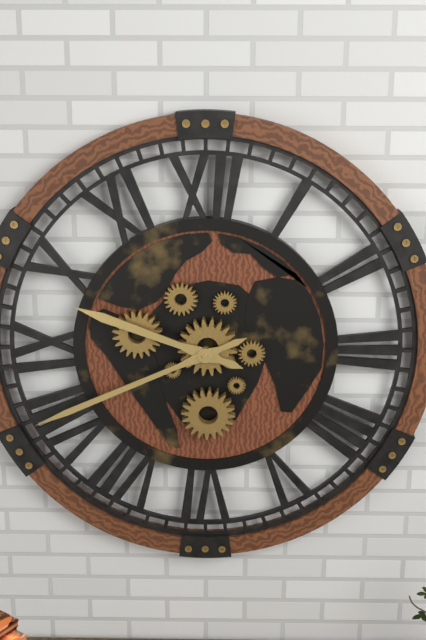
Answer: 9,41
